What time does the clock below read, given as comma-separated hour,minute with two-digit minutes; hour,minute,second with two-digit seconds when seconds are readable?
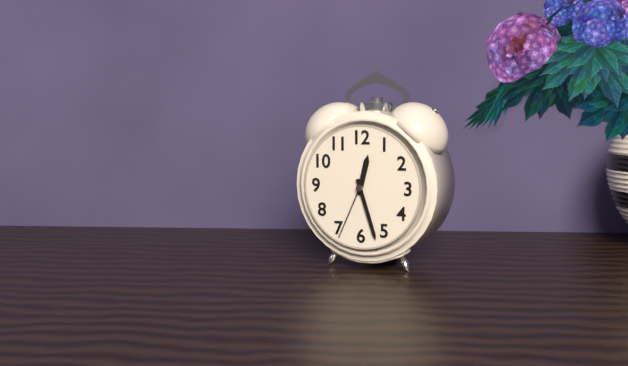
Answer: 12,27,34
